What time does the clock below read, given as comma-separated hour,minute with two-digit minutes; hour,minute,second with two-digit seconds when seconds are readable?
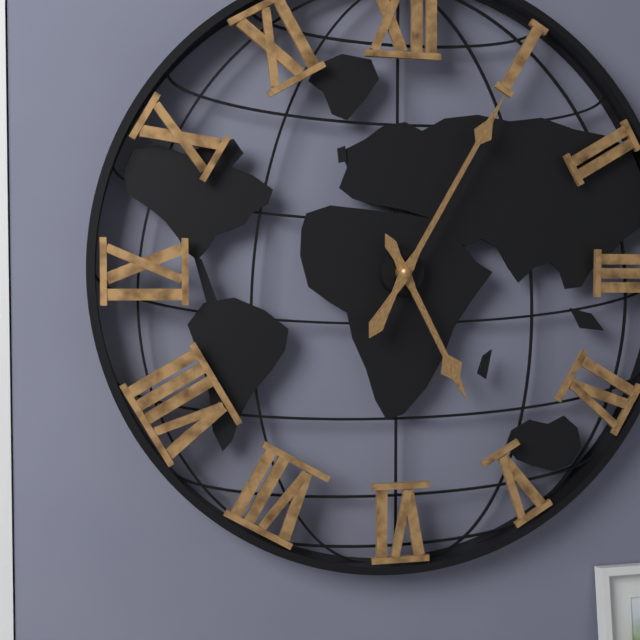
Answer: 5,05
